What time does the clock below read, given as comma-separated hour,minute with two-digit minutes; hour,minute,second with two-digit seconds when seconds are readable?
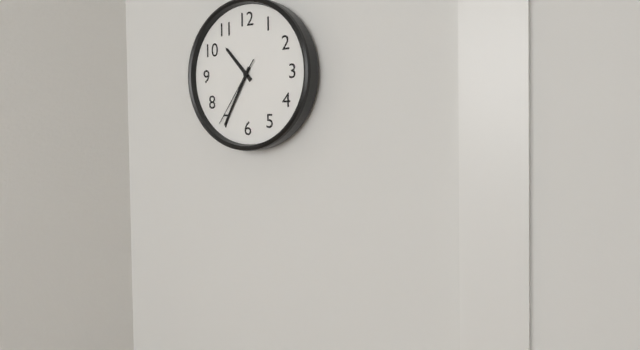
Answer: 10,35,36
